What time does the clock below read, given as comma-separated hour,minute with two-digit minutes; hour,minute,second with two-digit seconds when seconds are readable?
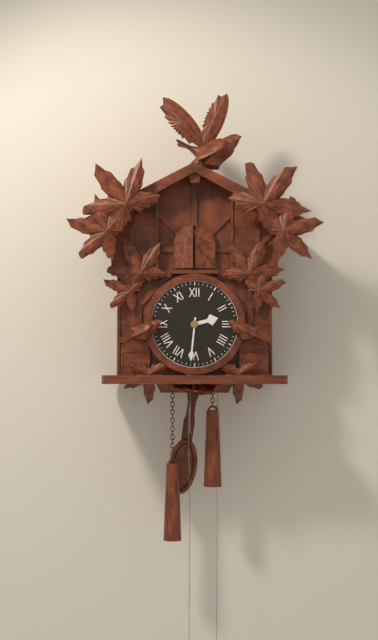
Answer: 2,31
